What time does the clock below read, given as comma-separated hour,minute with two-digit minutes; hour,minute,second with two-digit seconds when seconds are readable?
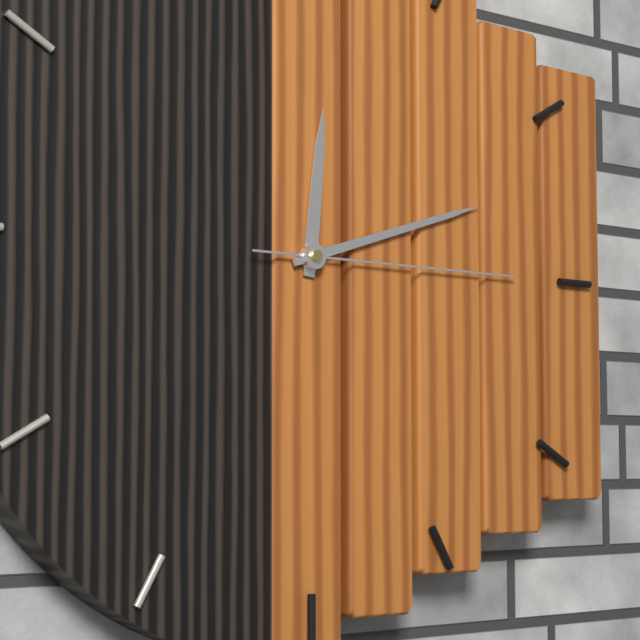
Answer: 12,12,15
